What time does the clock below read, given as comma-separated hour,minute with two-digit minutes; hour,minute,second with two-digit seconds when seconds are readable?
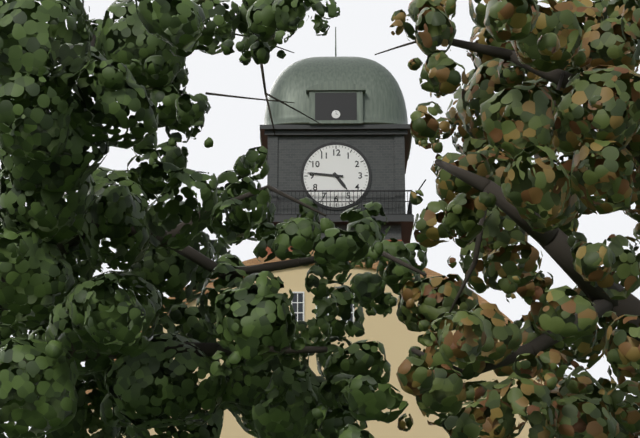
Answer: 4,46
